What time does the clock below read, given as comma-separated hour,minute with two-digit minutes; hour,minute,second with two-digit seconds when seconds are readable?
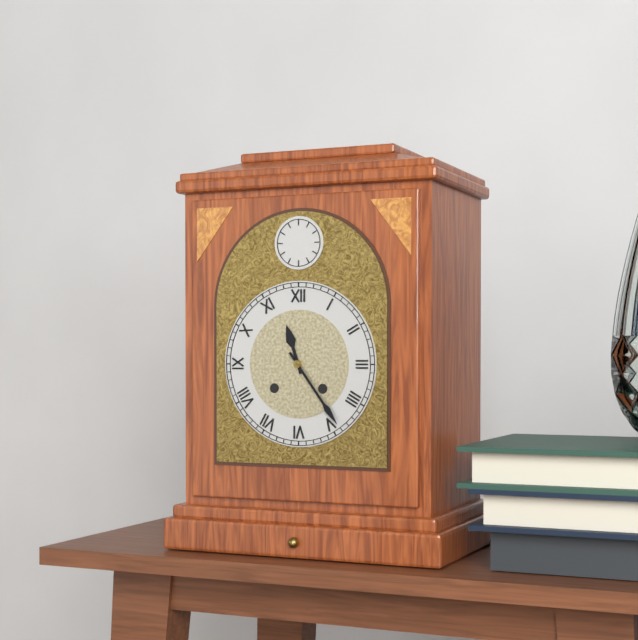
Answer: 11,24
